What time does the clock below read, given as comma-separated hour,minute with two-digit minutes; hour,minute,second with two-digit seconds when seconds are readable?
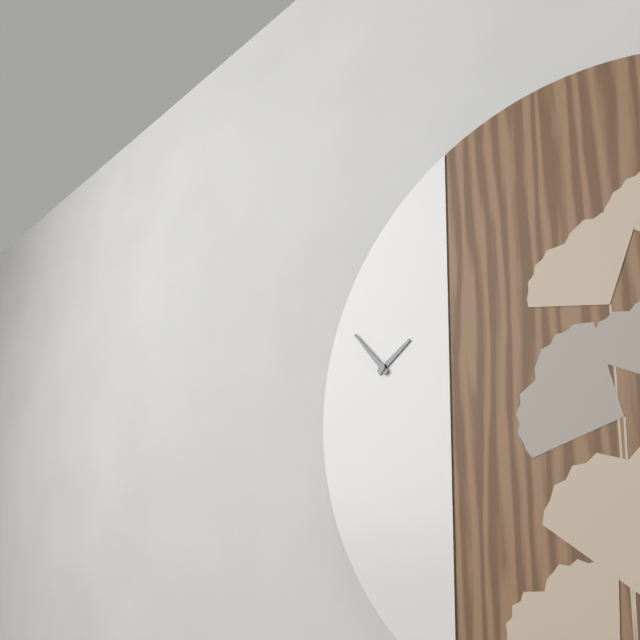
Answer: 1,53
